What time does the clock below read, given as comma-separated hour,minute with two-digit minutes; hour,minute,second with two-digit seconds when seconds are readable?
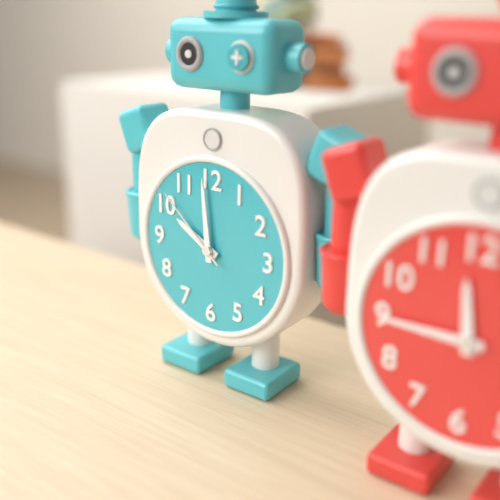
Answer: 9,59,52
